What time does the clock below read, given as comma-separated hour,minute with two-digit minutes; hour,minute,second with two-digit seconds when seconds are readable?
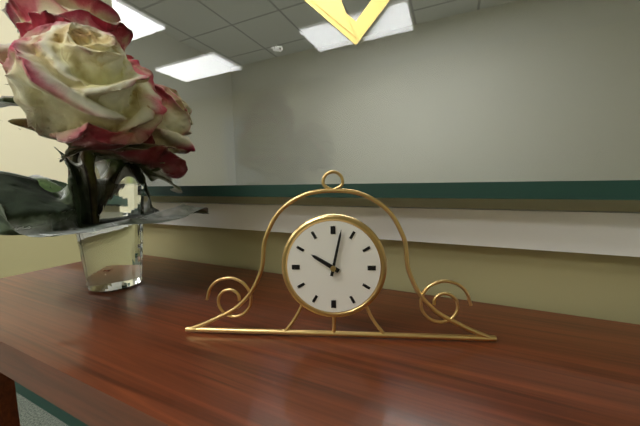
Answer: 10,02
